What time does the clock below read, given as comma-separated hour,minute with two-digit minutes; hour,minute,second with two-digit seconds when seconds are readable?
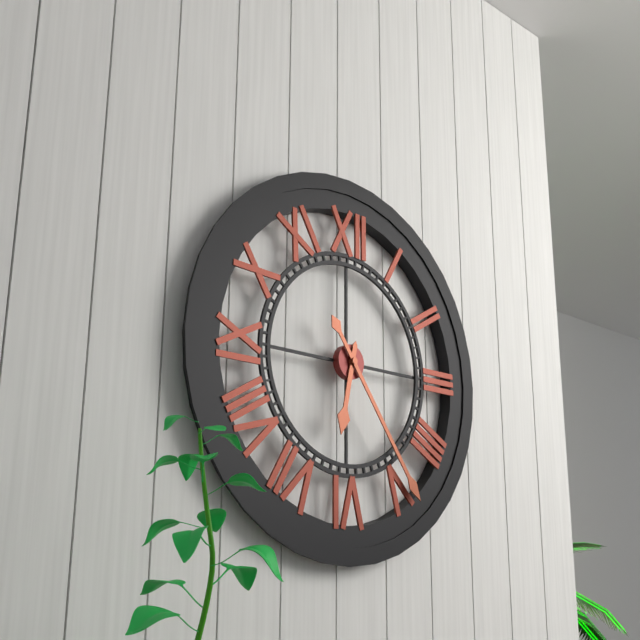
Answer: 6,24
